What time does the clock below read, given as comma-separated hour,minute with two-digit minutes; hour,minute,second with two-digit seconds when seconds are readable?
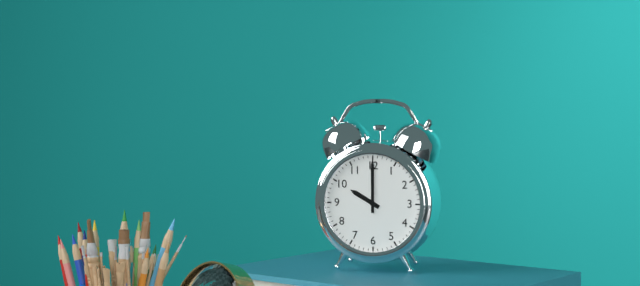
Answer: 10,00
